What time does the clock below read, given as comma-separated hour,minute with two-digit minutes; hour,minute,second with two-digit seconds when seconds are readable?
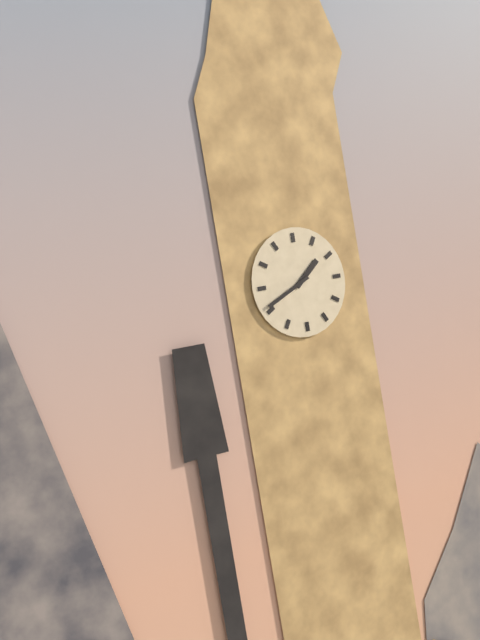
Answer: 1,41
